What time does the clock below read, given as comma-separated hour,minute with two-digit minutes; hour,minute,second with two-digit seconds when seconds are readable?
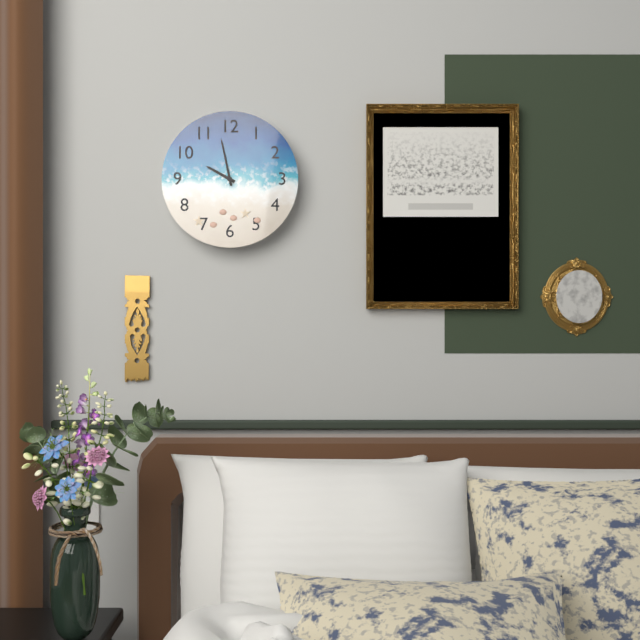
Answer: 9,58
